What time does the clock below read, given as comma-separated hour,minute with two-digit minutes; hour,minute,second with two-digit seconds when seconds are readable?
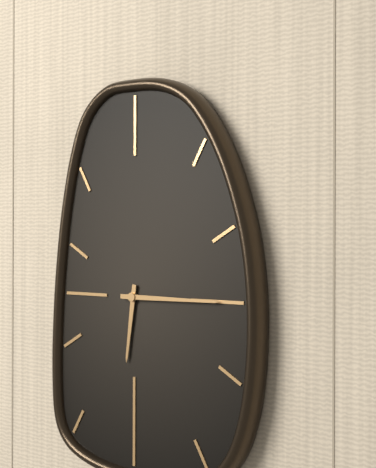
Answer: 6,15
